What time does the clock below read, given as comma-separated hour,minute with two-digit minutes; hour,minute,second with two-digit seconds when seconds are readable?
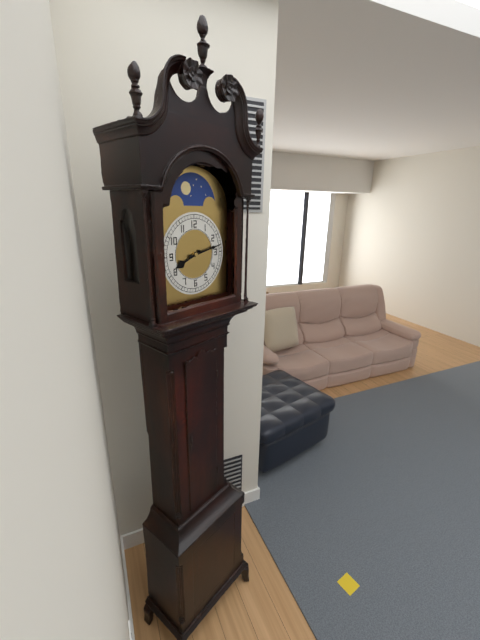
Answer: 8,13
